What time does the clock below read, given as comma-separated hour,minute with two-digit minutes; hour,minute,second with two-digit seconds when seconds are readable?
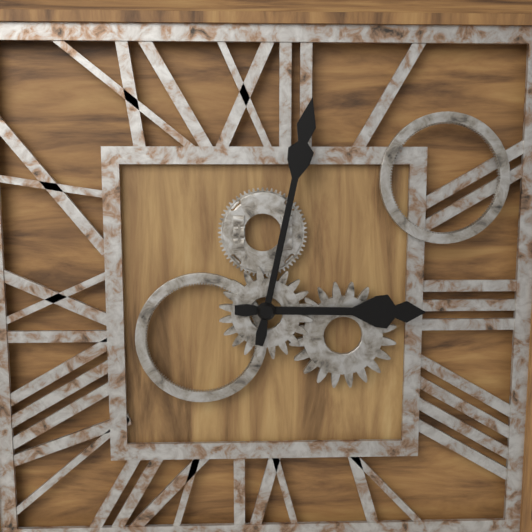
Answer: 3,02
